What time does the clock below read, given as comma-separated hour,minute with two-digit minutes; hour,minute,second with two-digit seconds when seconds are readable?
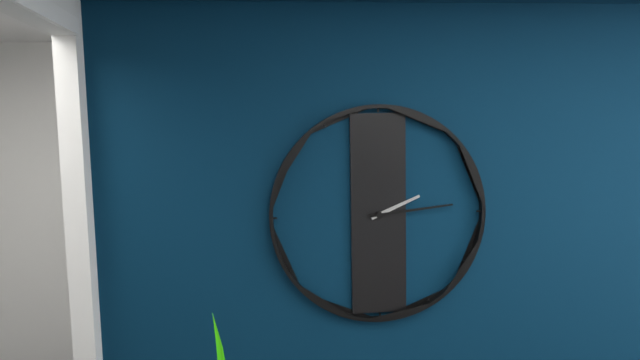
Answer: 2,14
